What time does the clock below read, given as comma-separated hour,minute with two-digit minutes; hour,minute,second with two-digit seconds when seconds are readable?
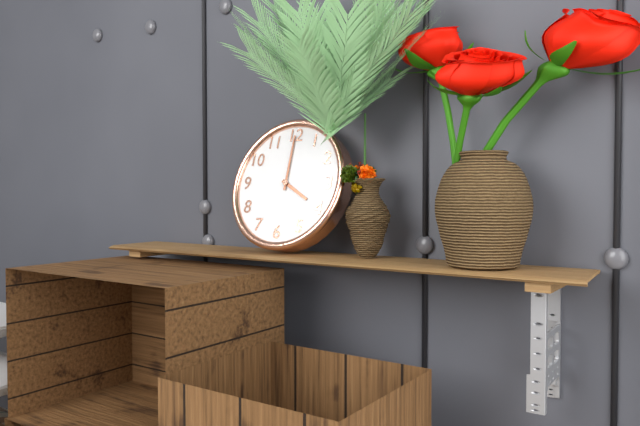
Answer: 4,00
